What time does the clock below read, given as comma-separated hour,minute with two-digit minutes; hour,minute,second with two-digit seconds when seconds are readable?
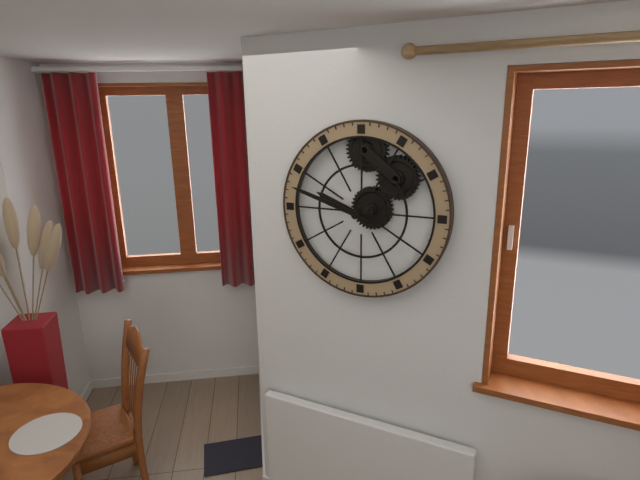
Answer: 9,48
